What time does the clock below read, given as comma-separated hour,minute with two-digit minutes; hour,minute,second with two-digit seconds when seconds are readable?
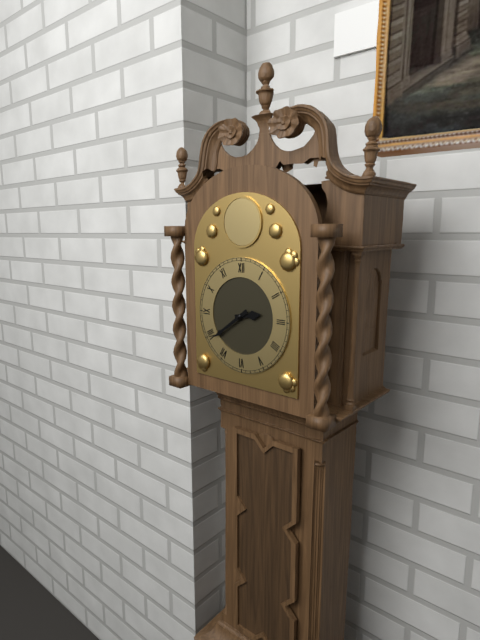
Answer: 2,39
